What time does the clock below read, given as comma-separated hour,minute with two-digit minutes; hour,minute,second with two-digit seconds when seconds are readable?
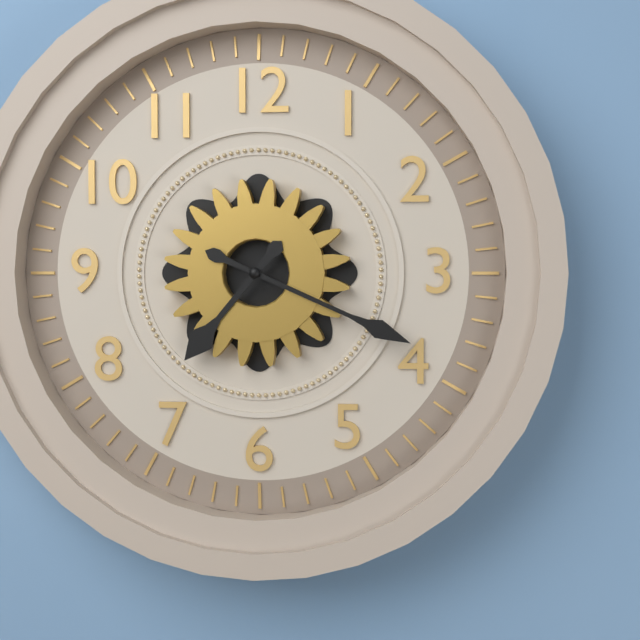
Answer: 7,19
